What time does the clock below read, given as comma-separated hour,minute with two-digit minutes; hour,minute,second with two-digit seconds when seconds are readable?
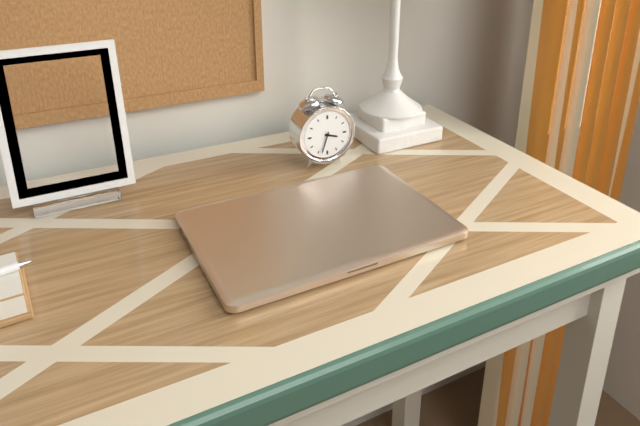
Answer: 3,33
